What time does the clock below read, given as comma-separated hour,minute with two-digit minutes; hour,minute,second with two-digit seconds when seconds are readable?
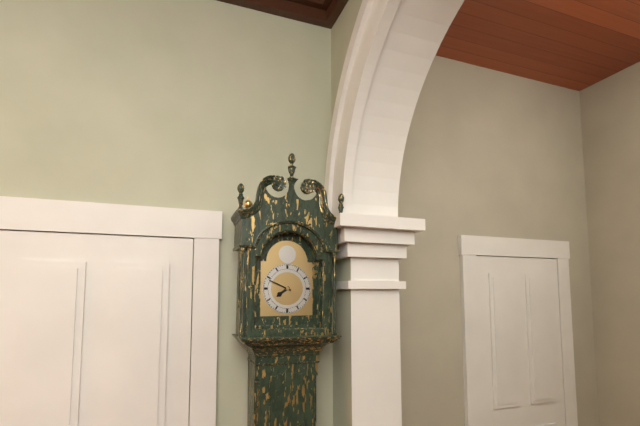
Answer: 7,49
